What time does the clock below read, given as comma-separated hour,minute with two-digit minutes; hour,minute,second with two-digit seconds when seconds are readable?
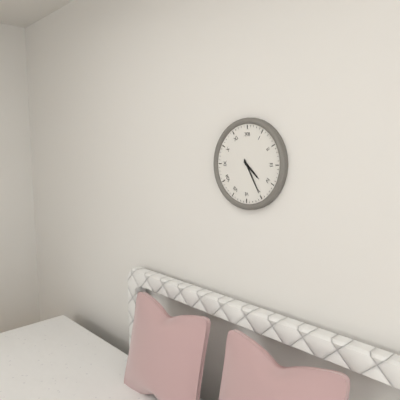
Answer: 4,25
